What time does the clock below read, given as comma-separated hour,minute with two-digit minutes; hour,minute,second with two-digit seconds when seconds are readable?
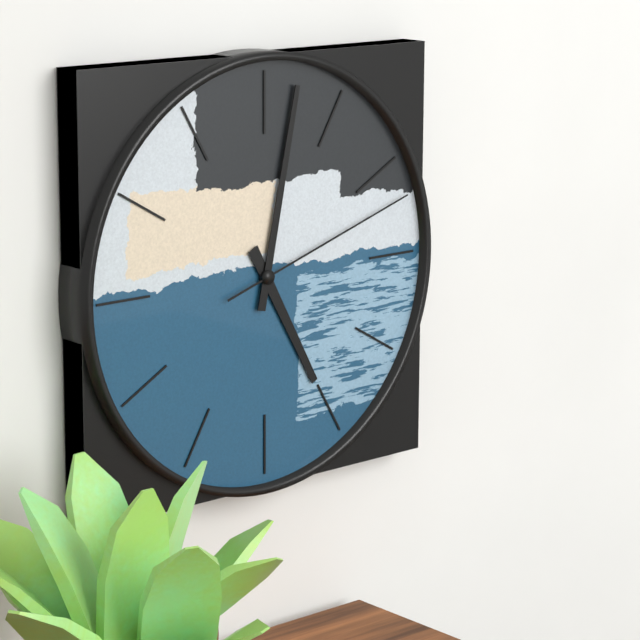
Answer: 5,02,12
